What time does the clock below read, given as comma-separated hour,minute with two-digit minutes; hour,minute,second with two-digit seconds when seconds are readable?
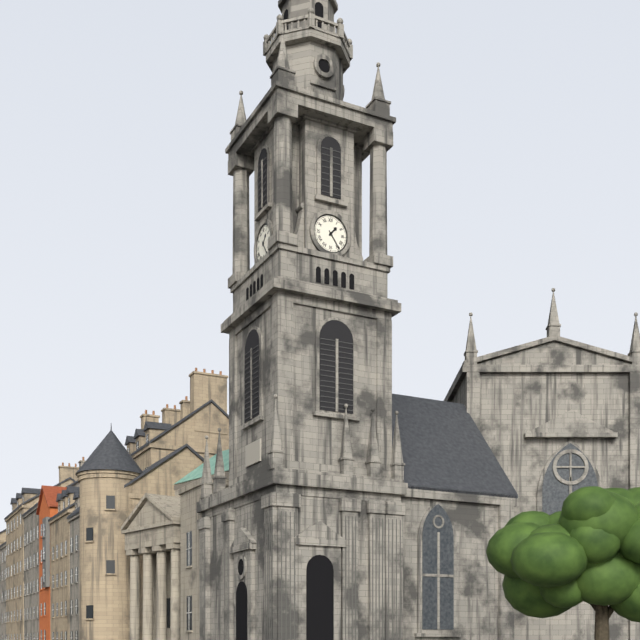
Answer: 1,24
